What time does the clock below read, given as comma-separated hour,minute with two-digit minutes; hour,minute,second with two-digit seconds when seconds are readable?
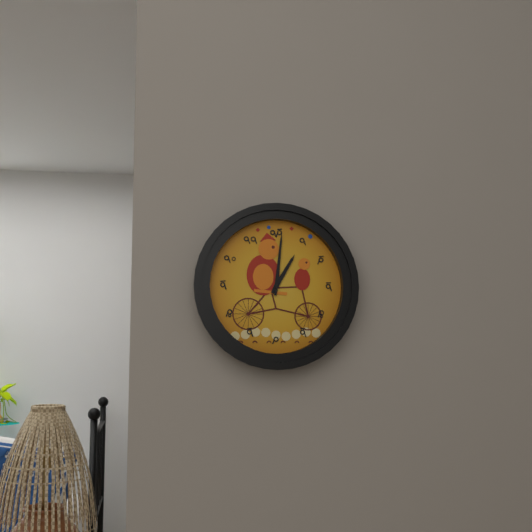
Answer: 1,01
